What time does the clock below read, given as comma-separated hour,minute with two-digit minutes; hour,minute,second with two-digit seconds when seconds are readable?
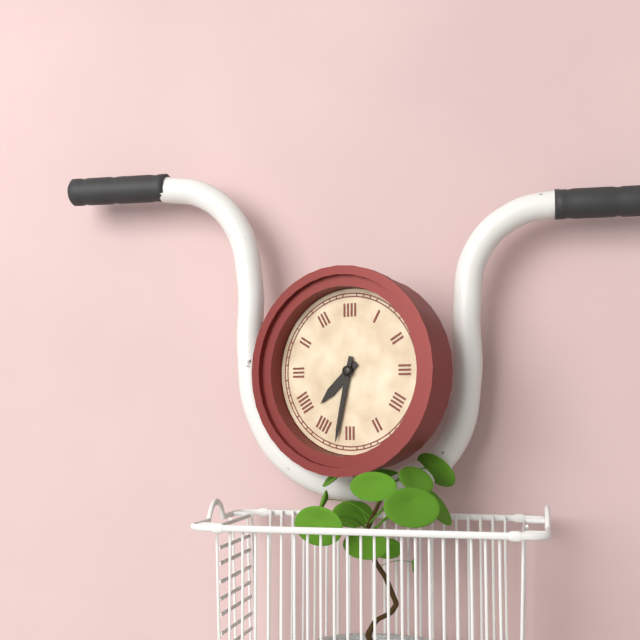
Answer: 7,32
